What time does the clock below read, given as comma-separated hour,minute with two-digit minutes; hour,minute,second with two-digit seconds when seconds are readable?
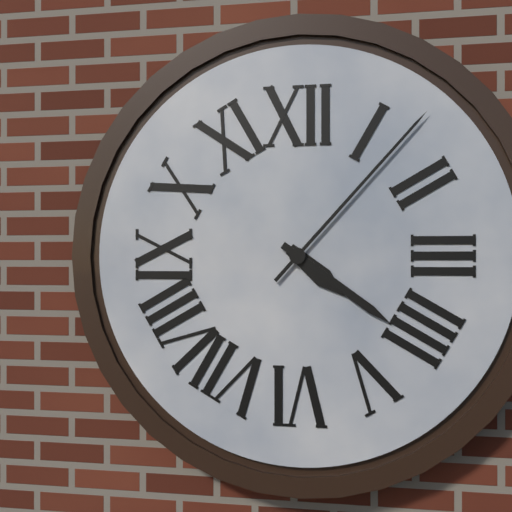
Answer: 4,21,07
